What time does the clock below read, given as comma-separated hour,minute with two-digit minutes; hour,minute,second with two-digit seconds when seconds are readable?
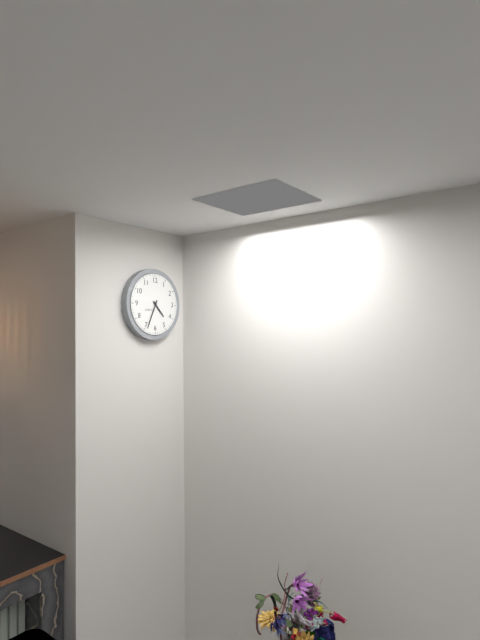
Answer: 4,34
